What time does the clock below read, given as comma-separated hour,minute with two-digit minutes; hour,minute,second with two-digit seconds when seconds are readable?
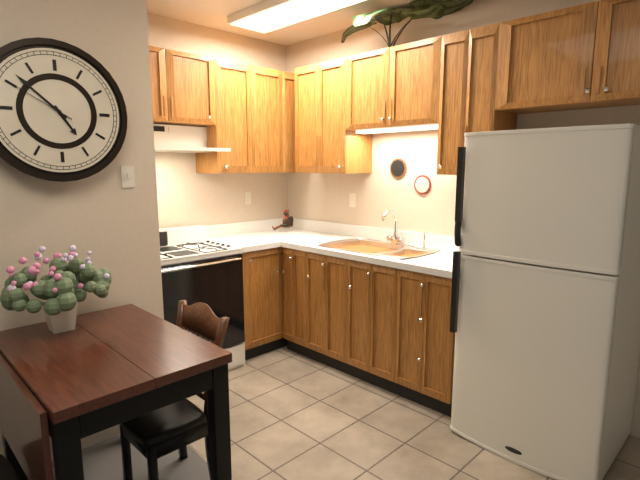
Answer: 4,52,50
